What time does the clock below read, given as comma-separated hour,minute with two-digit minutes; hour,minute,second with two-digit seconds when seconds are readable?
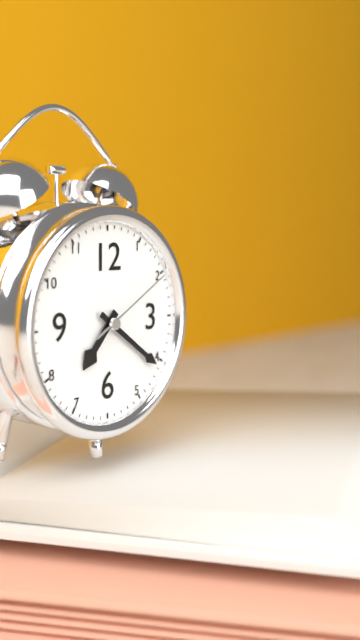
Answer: 7,21,10
